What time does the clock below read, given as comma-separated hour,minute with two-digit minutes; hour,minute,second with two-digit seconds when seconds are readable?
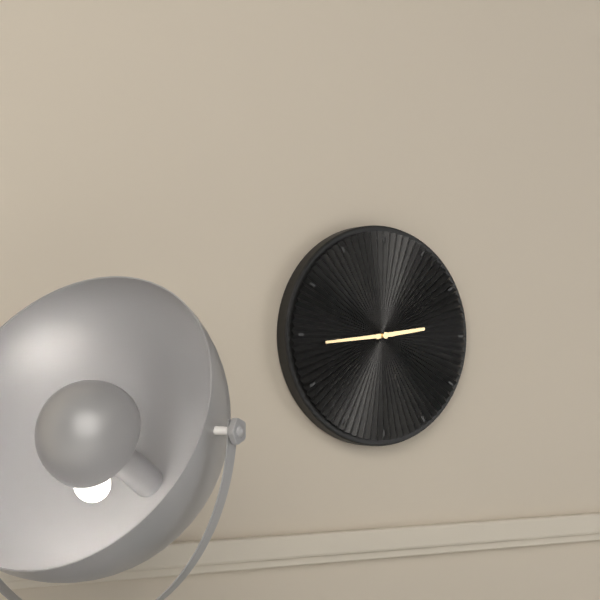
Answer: 2,44
